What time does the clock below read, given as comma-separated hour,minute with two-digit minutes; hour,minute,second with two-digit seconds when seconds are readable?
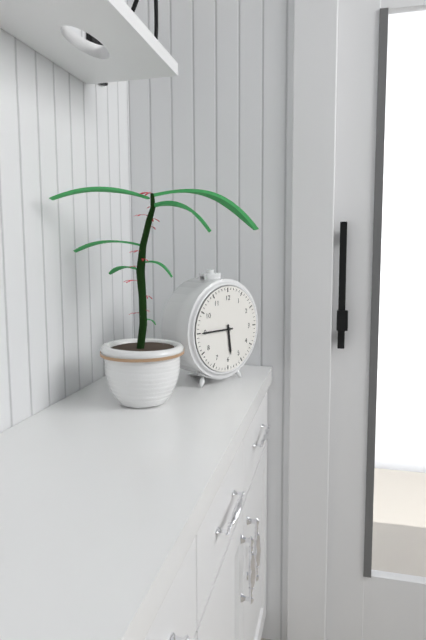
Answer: 5,45
